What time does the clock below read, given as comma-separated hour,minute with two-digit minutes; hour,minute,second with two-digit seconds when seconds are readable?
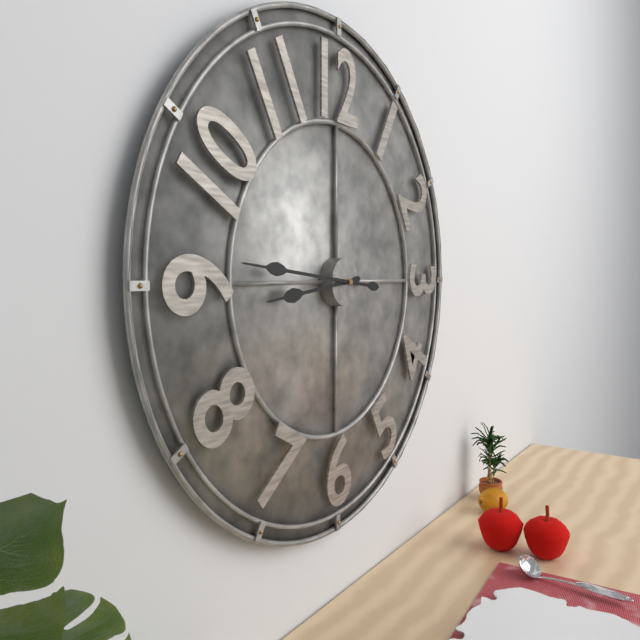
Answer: 8,46
